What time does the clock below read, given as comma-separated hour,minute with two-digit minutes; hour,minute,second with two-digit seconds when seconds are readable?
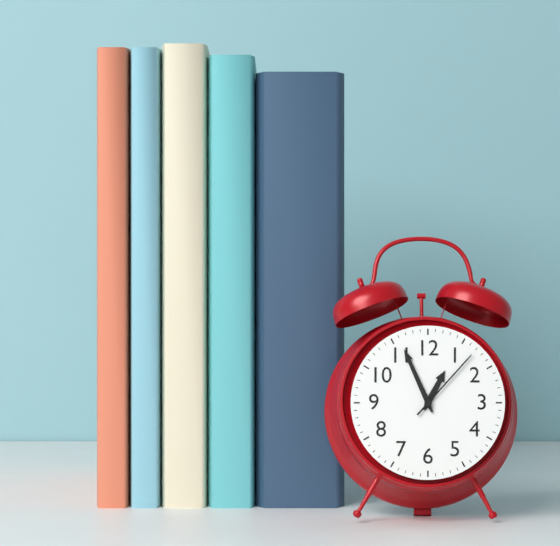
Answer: 12,56,07
